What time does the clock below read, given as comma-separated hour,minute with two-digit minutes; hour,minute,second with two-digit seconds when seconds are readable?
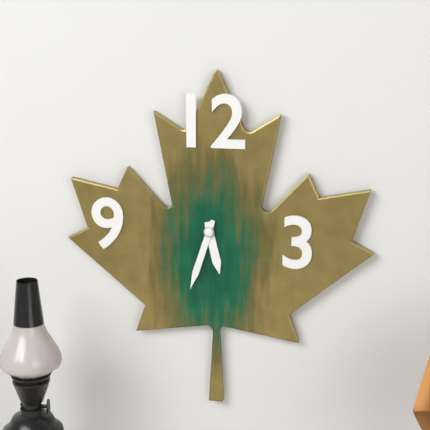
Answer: 5,33
